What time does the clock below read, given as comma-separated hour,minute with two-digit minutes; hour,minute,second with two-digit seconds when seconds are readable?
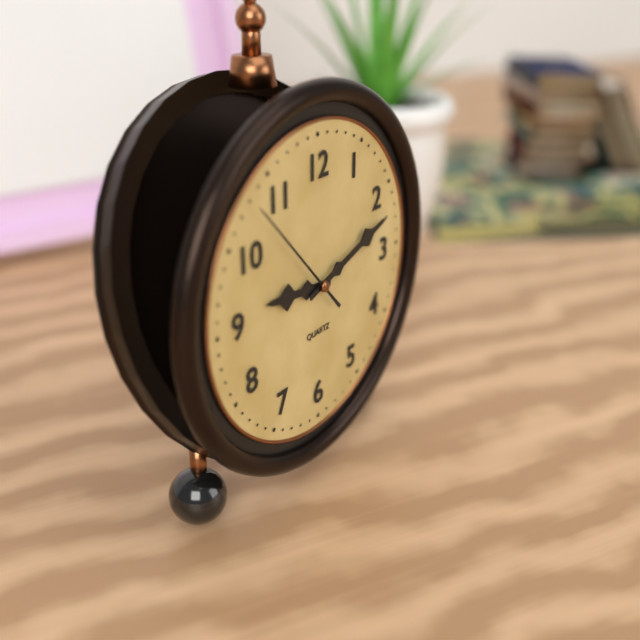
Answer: 9,12,53
